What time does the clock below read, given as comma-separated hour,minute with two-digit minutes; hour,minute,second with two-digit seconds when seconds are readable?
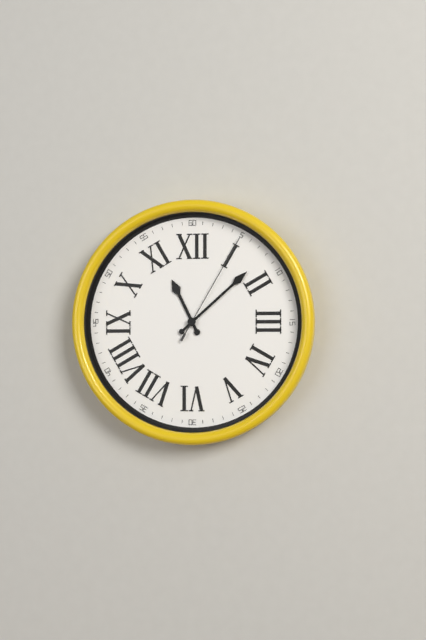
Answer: 11,08,05
